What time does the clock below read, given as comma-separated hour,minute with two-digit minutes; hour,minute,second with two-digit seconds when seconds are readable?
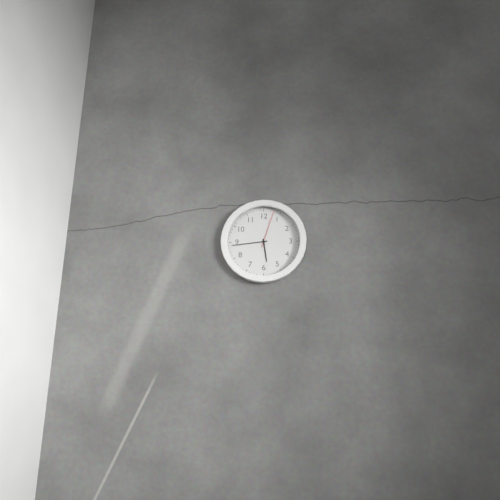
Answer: 5,44
